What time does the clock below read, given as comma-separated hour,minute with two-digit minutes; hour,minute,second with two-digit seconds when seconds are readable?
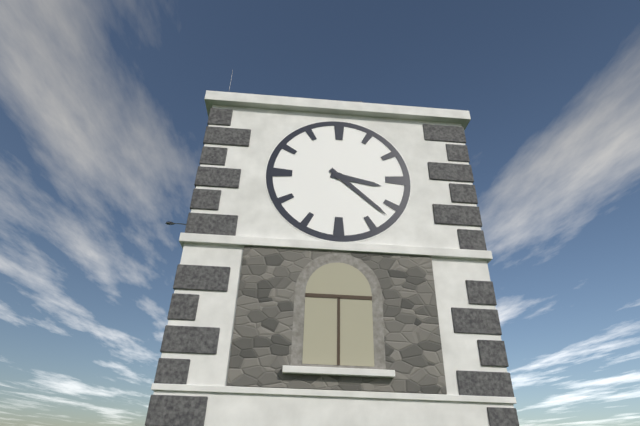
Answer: 3,22
